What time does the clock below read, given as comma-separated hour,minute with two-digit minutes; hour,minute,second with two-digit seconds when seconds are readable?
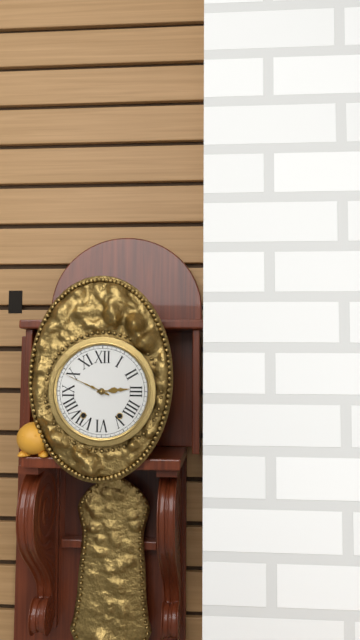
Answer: 2,49
